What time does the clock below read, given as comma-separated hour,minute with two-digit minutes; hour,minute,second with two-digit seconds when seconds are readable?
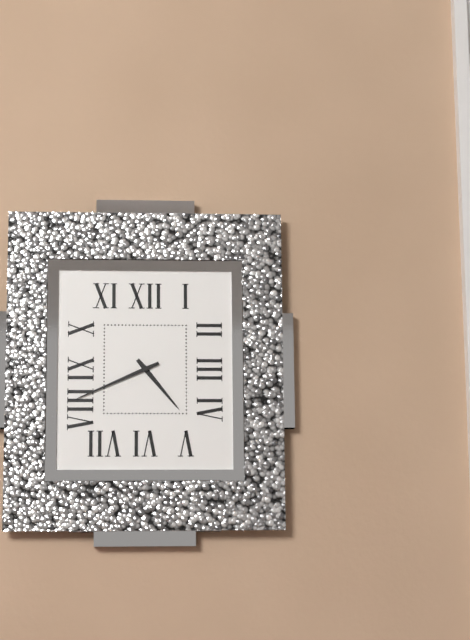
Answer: 4,41
